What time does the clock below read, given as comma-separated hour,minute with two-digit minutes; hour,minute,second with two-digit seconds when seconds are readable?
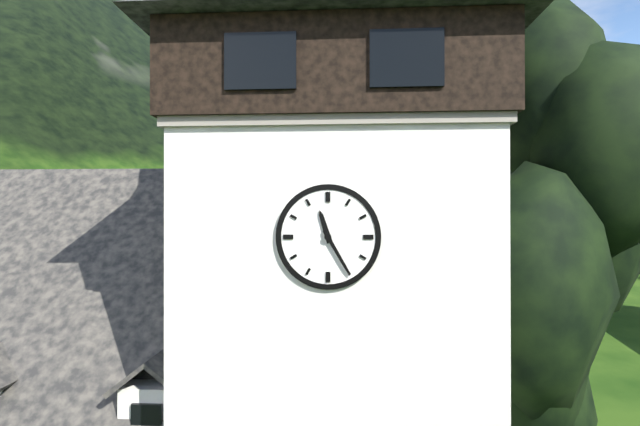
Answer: 11,25
